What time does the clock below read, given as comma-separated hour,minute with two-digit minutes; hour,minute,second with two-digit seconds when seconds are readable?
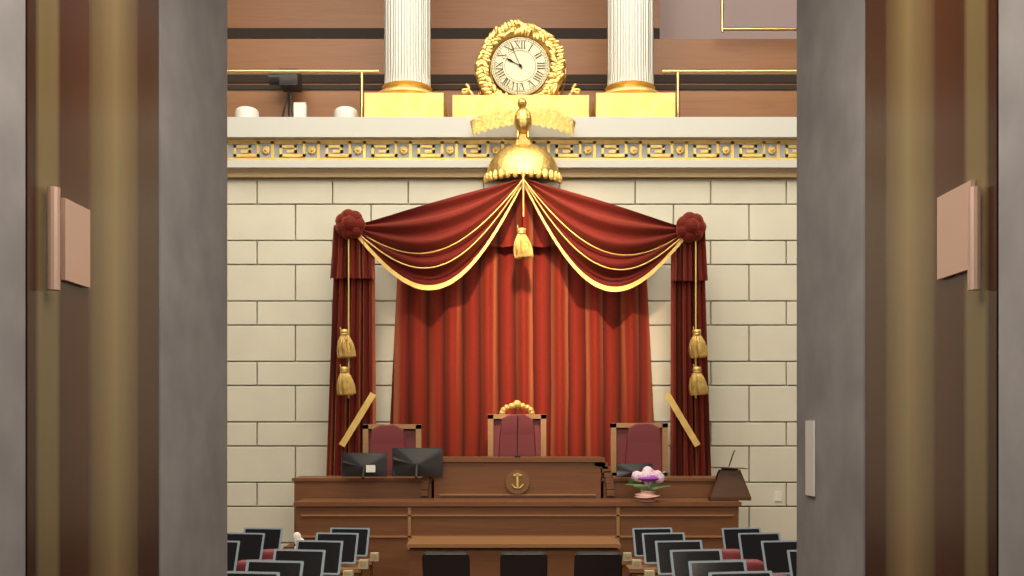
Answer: 9,56
